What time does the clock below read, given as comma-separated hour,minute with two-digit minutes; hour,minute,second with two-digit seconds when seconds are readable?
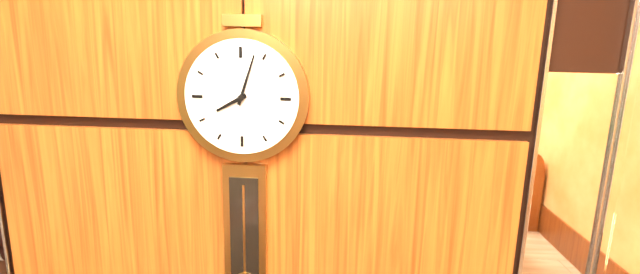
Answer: 8,03
